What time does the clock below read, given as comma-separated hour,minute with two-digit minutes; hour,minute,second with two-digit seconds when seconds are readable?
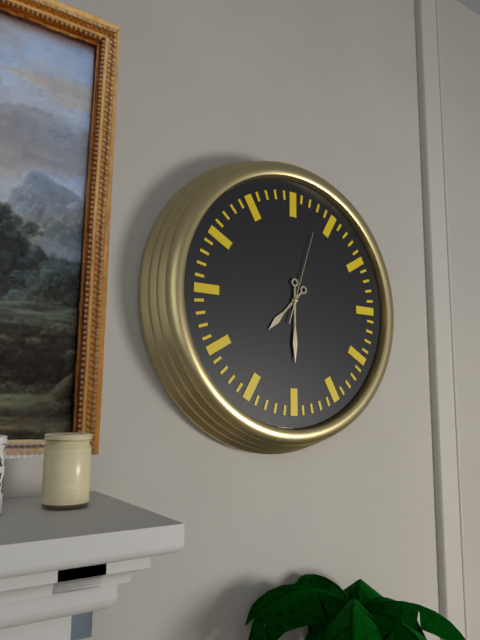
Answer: 7,30,03
